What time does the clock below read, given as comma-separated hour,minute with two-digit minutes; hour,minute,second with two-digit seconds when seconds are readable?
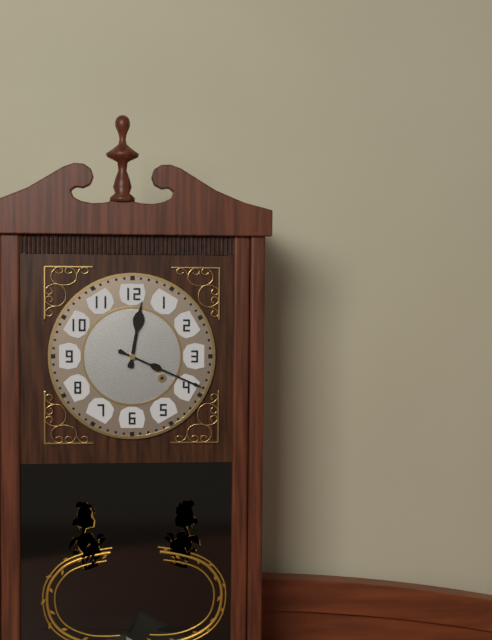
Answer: 12,19
